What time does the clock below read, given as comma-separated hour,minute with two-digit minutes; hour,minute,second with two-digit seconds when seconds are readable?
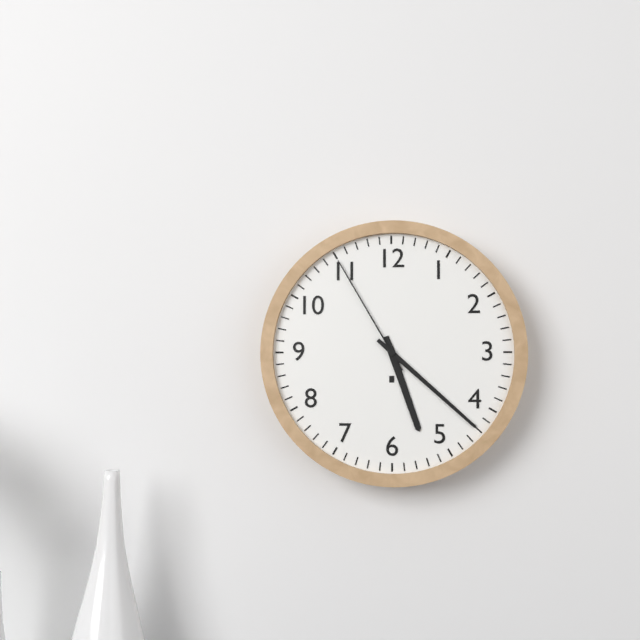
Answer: 5,22,55
